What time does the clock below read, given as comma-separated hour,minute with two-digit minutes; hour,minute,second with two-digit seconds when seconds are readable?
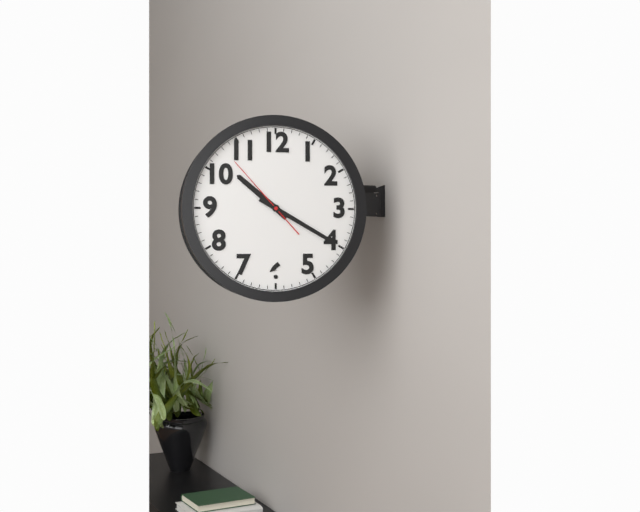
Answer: 10,20,53
